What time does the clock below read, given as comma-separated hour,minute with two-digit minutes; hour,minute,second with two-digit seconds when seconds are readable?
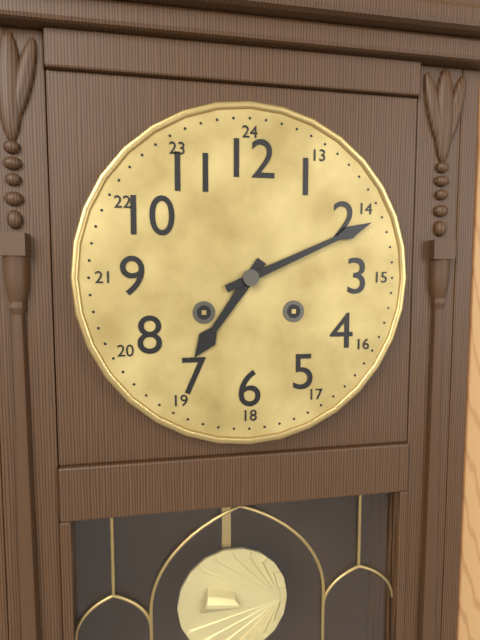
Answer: 7,11
